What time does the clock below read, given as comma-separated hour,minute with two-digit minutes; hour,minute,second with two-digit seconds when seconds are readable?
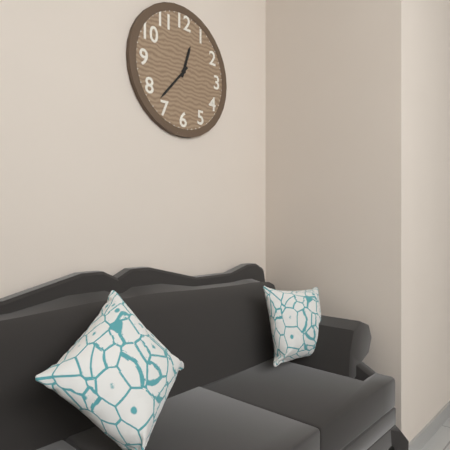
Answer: 12,37
